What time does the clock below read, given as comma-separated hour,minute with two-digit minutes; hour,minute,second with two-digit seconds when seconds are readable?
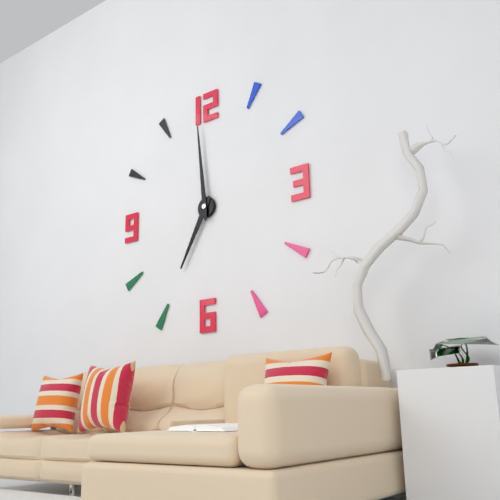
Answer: 6,59
